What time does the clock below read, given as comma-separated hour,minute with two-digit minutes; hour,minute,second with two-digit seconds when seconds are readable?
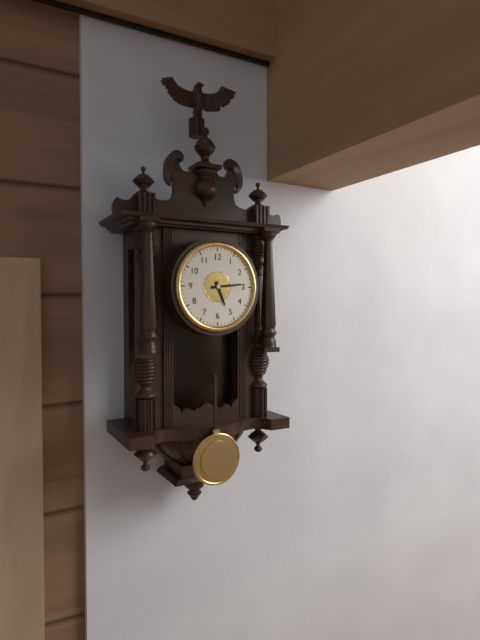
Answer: 5,14
